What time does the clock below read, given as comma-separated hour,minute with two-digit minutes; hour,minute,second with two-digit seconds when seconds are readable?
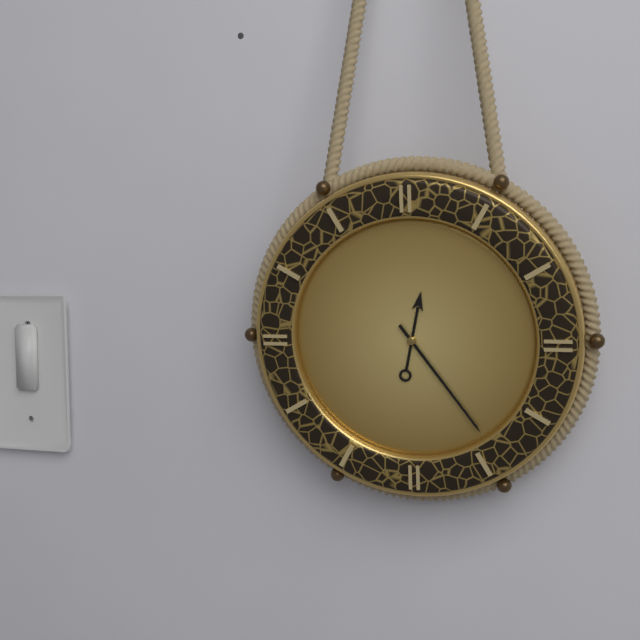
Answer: 12,24
